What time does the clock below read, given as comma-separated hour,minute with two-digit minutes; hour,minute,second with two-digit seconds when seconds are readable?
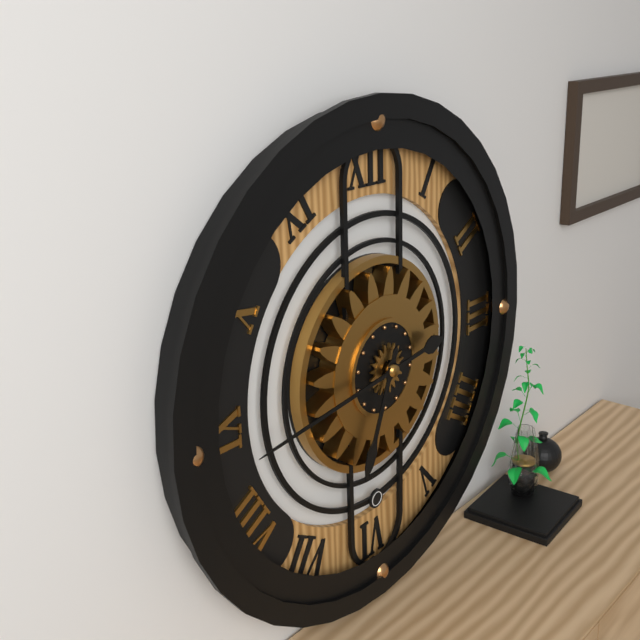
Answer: 6,44
